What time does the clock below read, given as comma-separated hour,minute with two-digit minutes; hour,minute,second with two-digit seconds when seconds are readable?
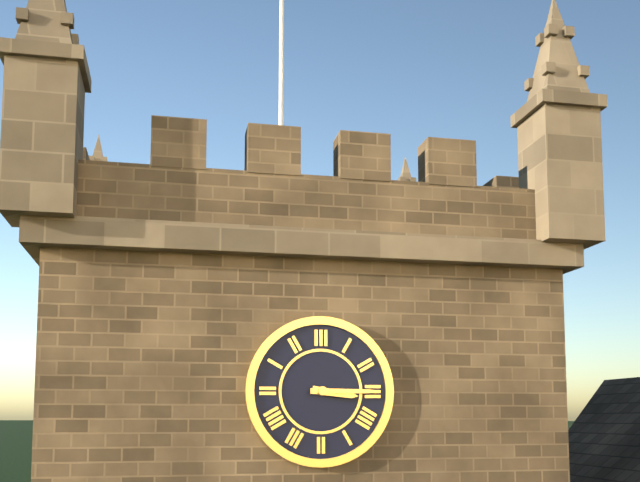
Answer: 3,15
